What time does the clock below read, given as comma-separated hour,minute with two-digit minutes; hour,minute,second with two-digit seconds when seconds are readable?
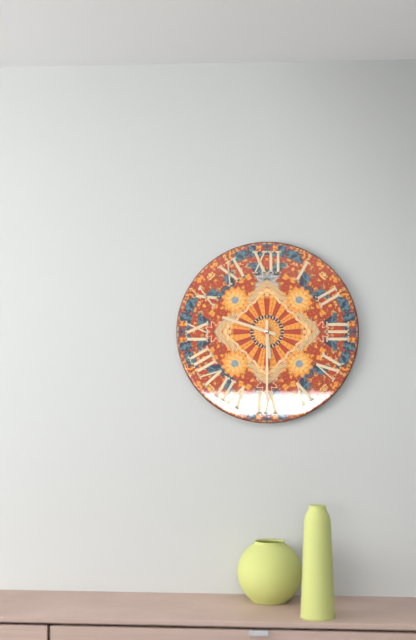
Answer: 5,48,30
